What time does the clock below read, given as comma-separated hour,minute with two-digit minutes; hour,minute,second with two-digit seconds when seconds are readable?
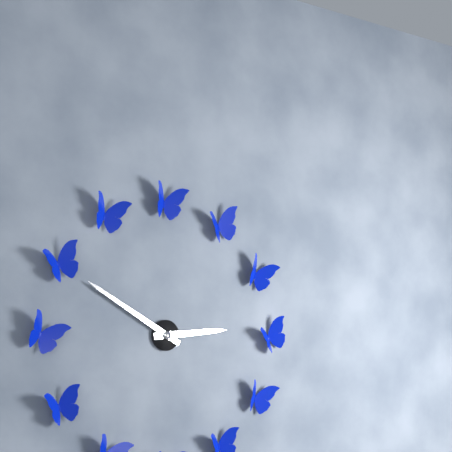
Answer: 2,50
